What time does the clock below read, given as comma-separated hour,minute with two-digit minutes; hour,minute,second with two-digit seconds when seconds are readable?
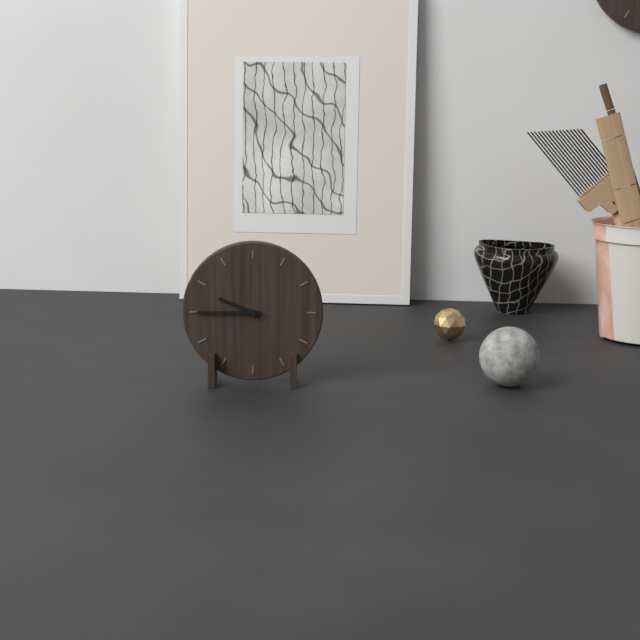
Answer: 9,45
